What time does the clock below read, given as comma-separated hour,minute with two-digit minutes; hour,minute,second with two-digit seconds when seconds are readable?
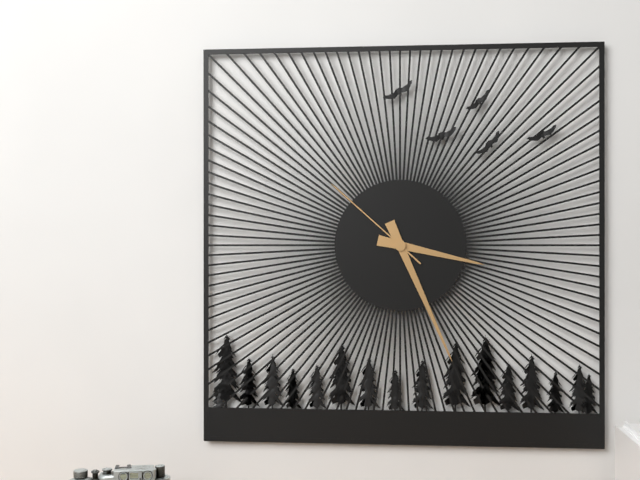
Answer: 3,26,52
